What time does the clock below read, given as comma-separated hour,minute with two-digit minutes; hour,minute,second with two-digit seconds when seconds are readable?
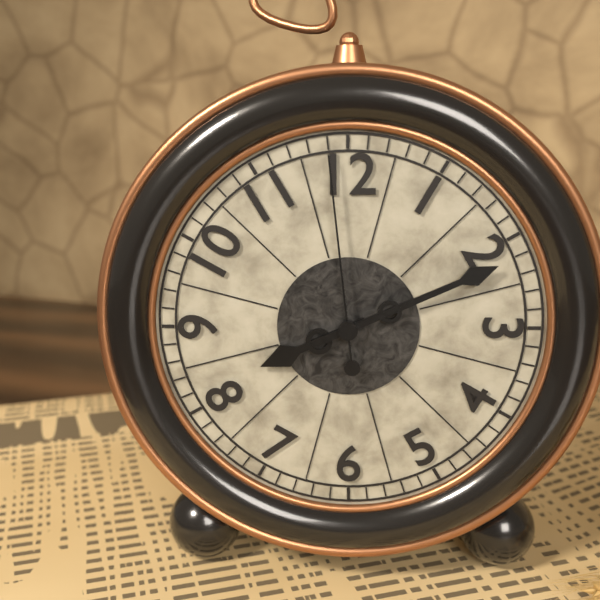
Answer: 8,11,59
